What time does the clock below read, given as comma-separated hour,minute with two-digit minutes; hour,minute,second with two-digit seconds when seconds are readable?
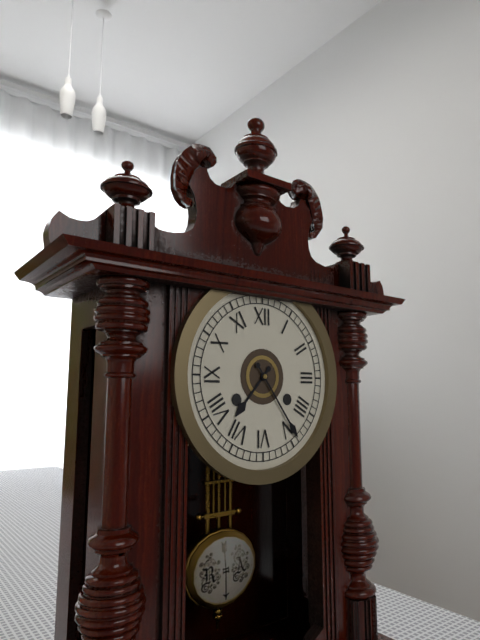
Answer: 7,24
